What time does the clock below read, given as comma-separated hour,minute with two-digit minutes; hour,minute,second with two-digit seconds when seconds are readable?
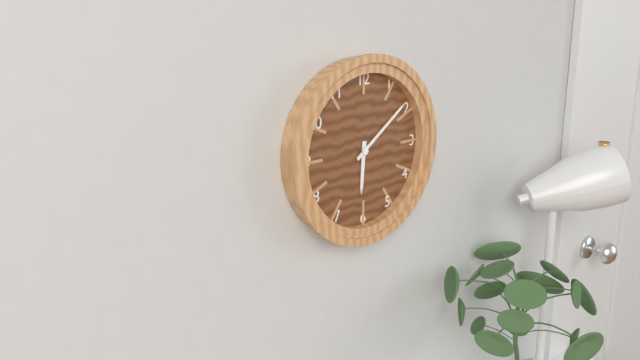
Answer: 6,09
